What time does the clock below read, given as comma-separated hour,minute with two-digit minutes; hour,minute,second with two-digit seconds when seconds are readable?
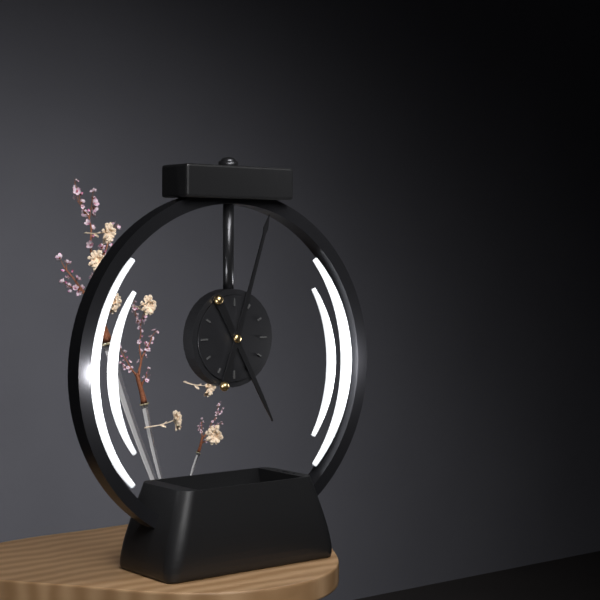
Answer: 5,03
